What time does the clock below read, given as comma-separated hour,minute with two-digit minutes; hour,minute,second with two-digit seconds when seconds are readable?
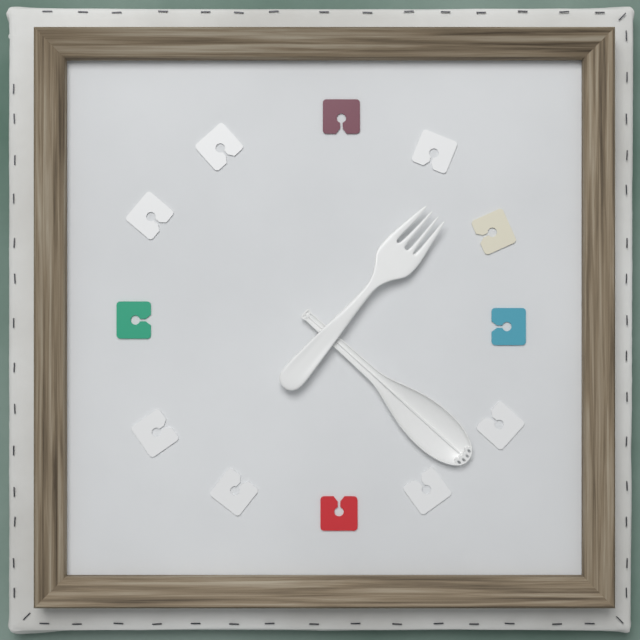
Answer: 1,22
